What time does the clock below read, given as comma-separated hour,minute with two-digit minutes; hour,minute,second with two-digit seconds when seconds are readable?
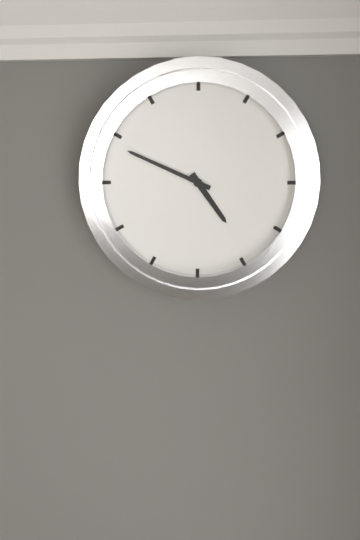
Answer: 4,49
